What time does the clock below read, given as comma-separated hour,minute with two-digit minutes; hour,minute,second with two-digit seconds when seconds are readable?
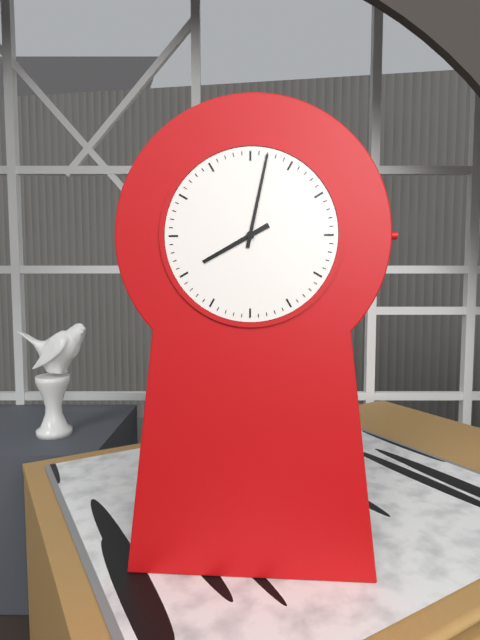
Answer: 8,02
